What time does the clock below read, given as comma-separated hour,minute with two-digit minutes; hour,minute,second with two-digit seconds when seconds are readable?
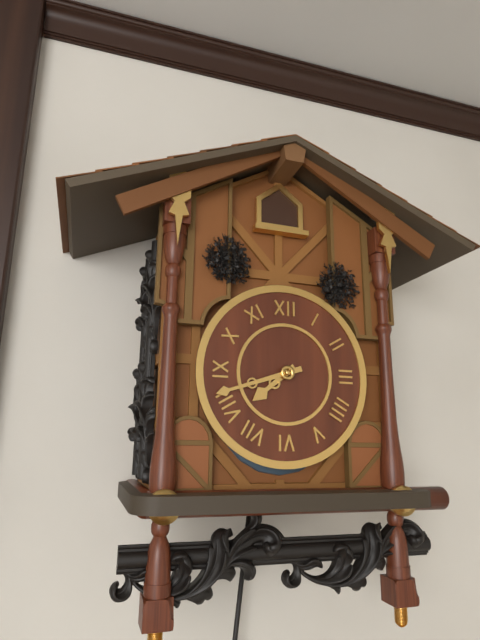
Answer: 7,42
